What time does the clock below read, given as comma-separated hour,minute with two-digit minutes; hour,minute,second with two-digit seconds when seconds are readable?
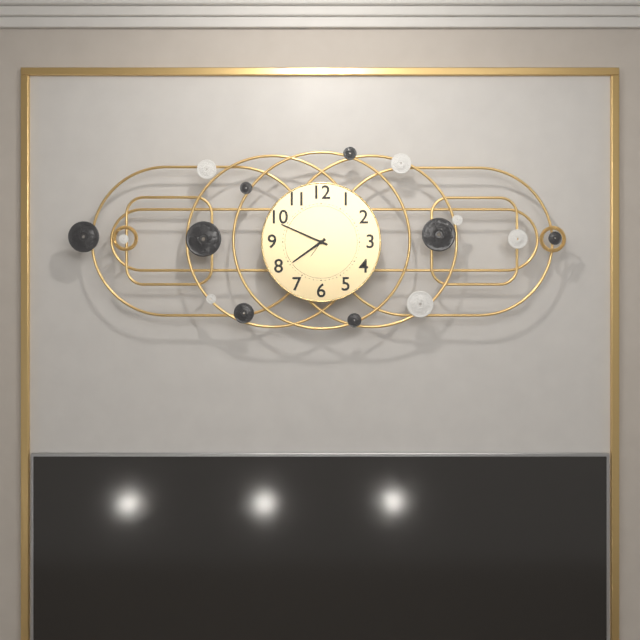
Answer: 7,49
